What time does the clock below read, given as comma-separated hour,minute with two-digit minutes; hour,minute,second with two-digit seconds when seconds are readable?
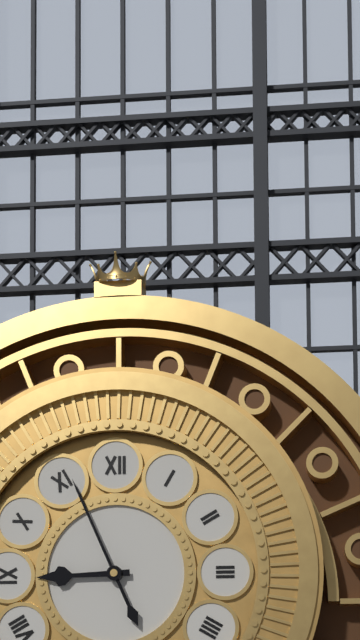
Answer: 8,56
